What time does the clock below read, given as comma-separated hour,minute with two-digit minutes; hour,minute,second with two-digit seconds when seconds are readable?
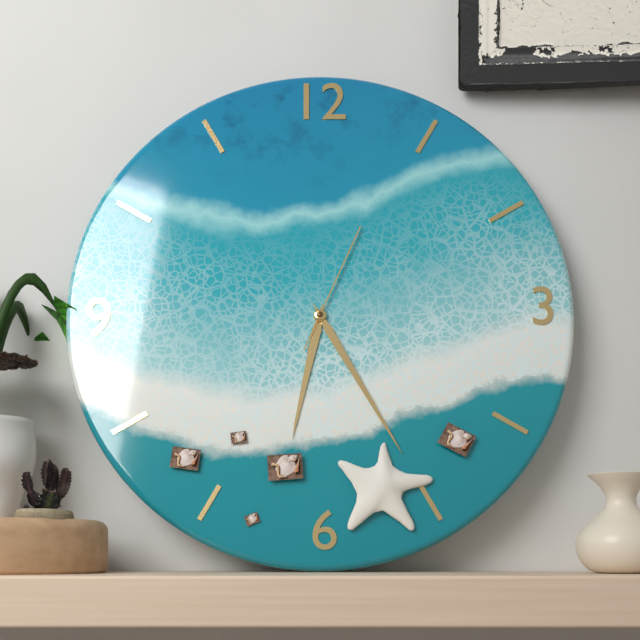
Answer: 6,25,04
